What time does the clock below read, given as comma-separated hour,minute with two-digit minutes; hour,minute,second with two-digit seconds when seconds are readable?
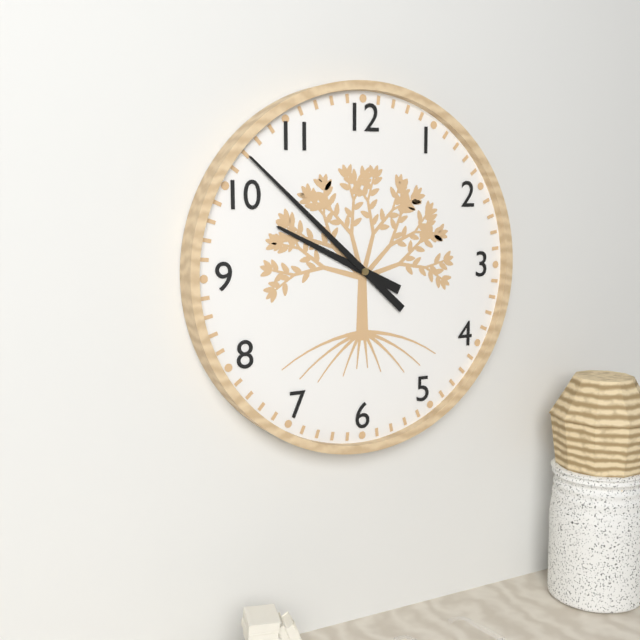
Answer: 9,52
